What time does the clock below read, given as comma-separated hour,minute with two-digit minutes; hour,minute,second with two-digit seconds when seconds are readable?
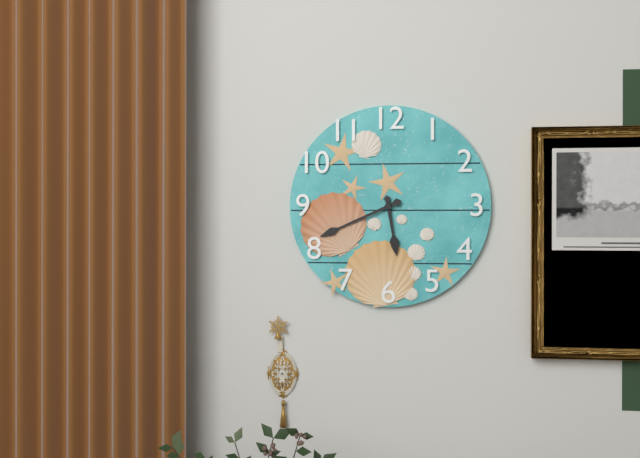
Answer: 5,41
